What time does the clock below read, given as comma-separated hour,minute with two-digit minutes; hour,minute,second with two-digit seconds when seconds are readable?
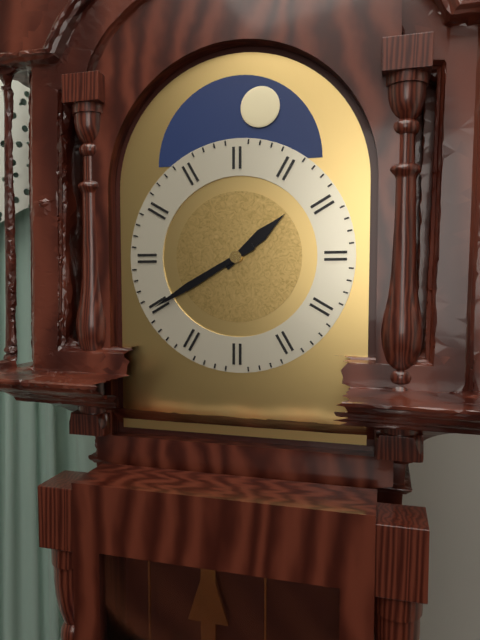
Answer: 1,40
